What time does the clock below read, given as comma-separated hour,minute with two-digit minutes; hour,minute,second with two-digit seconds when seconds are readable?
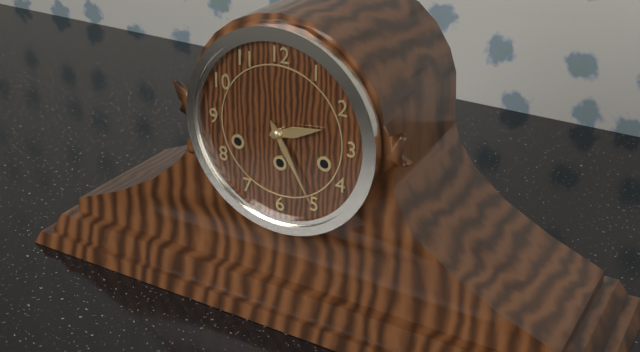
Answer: 2,25
